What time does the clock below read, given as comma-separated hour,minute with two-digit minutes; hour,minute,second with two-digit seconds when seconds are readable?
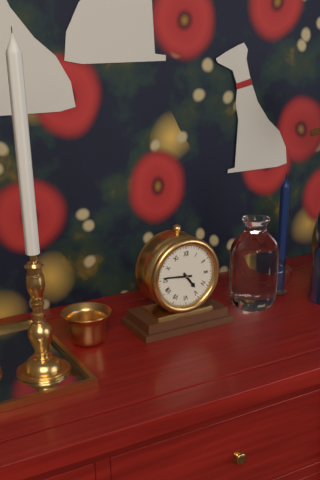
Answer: 4,46
